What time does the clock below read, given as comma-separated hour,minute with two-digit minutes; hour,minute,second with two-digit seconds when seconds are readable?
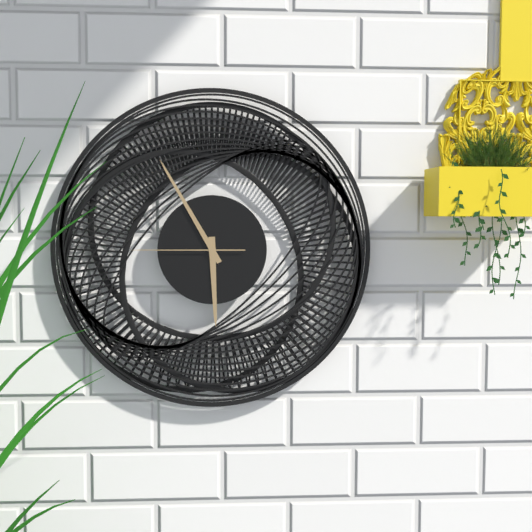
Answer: 5,55,45
